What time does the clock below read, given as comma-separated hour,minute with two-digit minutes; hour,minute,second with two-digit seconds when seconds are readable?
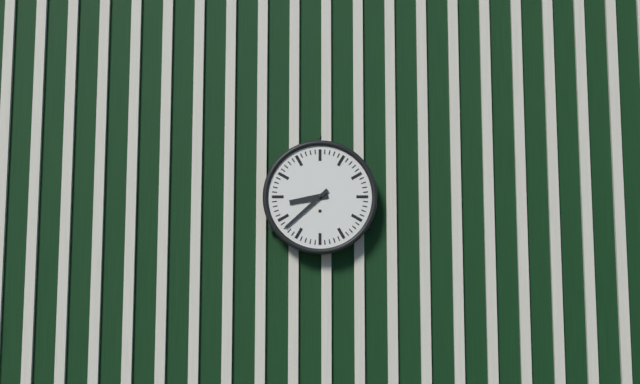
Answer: 8,38
